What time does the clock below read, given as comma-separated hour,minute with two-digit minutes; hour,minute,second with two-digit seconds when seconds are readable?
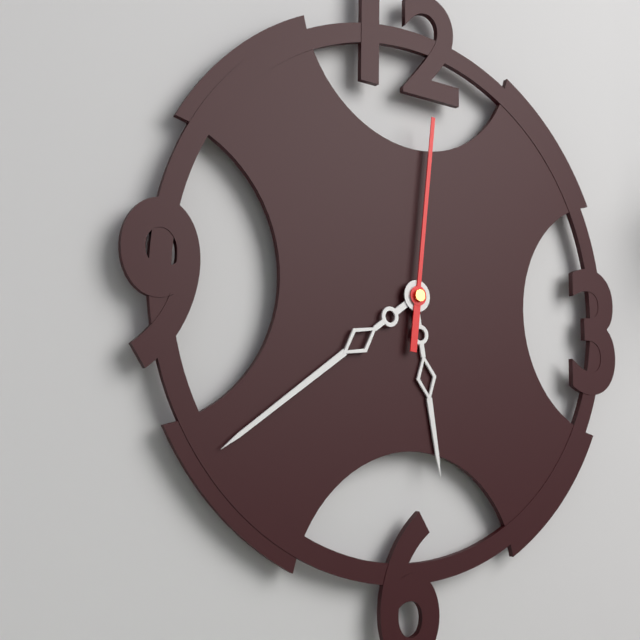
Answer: 5,39,01
